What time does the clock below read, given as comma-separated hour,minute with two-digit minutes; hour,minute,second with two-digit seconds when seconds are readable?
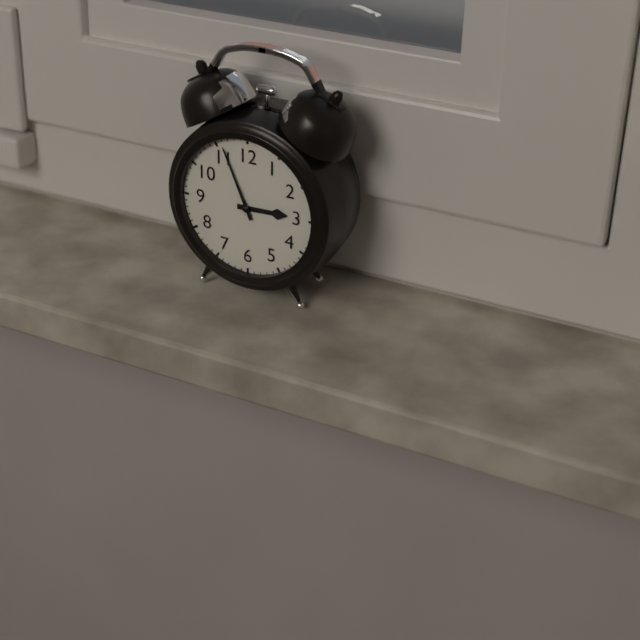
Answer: 2,56
